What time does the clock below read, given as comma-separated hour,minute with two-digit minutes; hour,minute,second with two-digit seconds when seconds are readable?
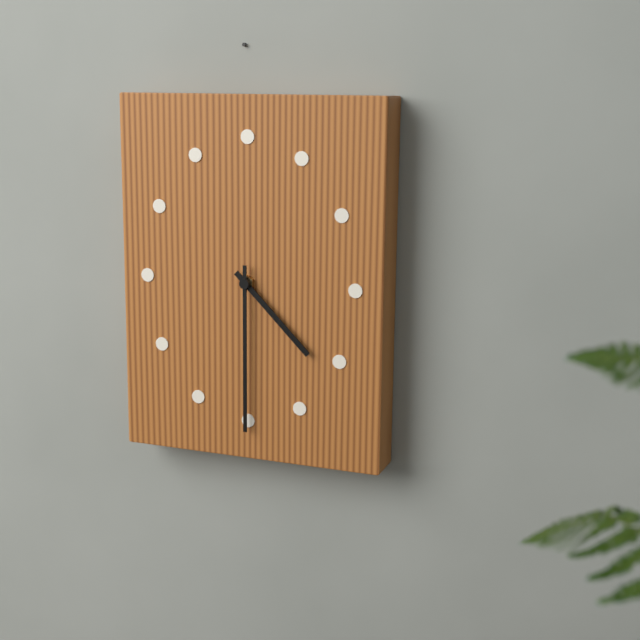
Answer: 4,30
